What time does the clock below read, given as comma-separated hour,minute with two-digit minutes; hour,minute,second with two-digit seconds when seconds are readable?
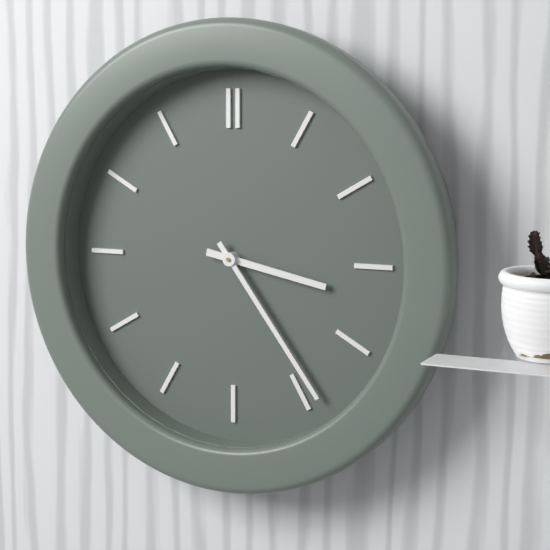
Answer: 3,24
